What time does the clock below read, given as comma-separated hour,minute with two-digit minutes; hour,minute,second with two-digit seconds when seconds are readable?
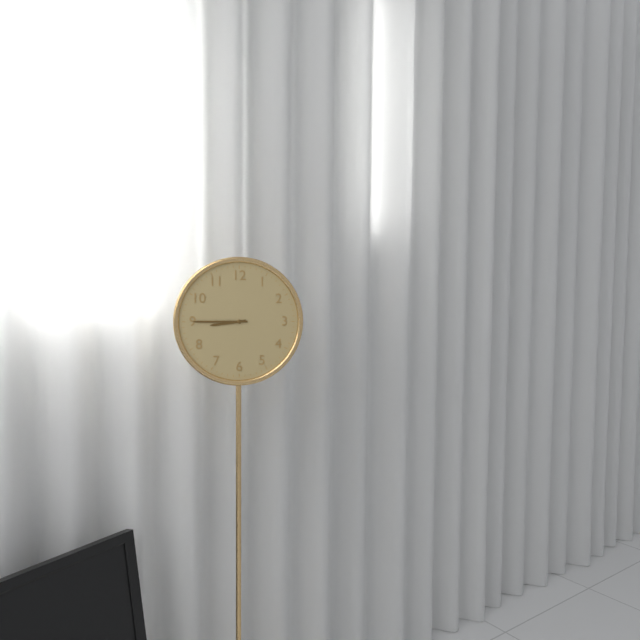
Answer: 8,45
